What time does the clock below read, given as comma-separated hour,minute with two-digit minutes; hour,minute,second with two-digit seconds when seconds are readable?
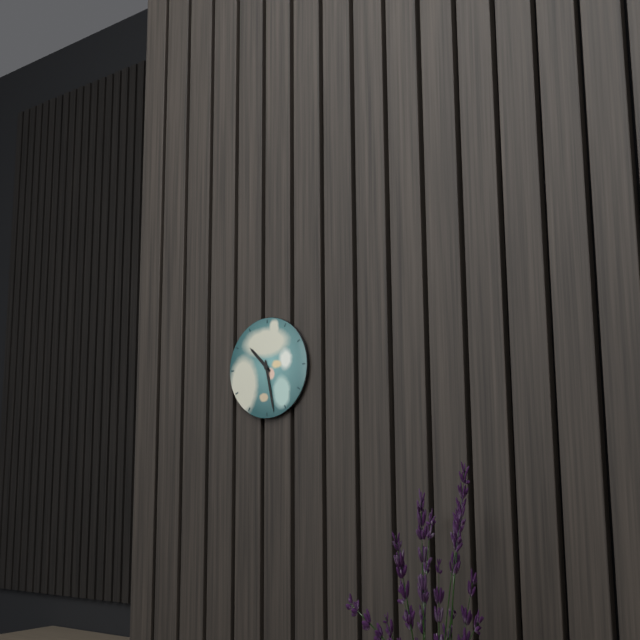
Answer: 10,28
